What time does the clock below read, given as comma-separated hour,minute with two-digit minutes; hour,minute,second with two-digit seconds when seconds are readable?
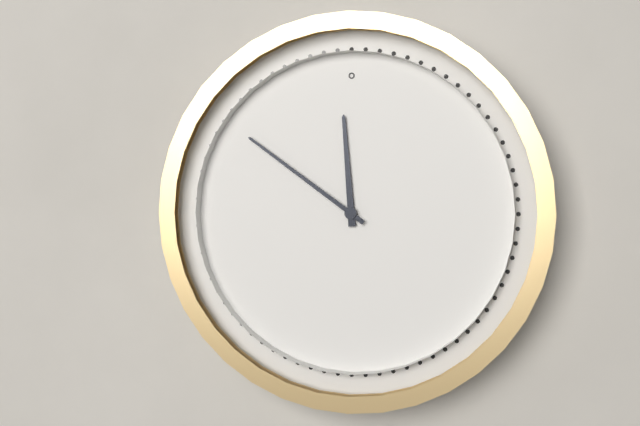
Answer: 11,51
